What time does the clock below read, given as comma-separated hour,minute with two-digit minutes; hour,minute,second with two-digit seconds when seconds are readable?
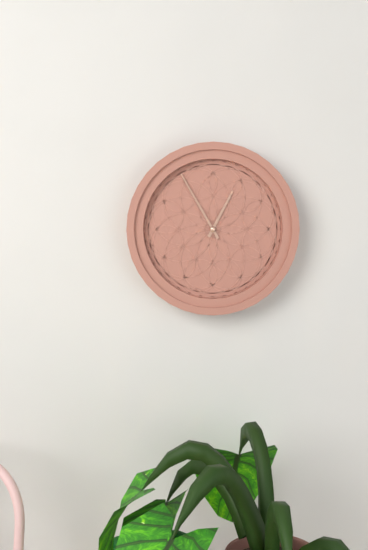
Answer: 12,55
